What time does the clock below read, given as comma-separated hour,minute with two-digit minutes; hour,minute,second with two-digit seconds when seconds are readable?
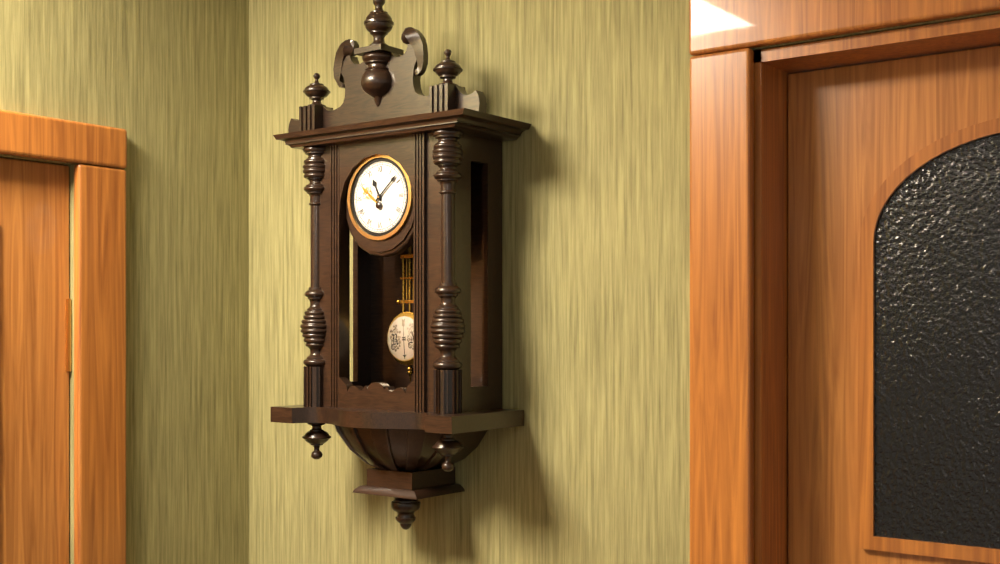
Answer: 11,08
